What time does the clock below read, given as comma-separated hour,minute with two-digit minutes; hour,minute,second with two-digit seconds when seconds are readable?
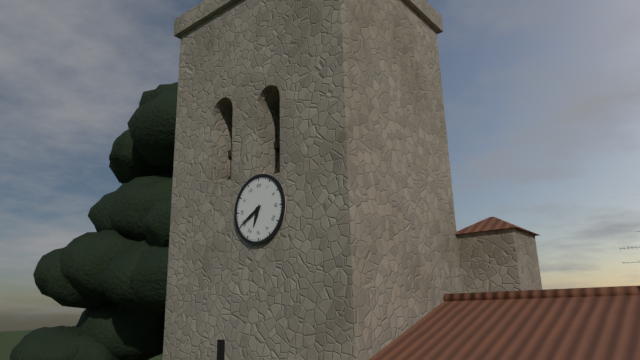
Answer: 6,40
